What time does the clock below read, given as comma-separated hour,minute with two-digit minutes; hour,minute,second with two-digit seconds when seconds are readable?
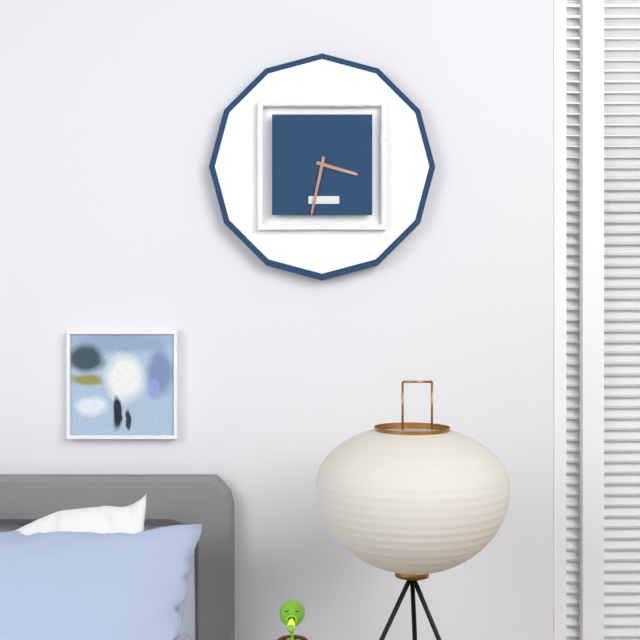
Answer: 3,32
